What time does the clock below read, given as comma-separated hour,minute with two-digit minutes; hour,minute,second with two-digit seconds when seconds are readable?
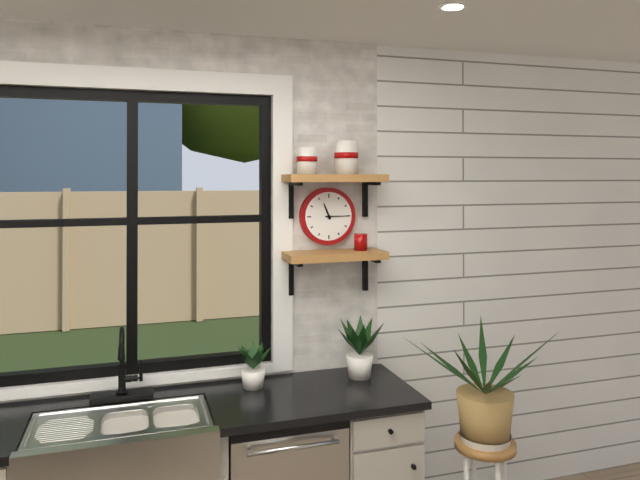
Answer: 11,15
